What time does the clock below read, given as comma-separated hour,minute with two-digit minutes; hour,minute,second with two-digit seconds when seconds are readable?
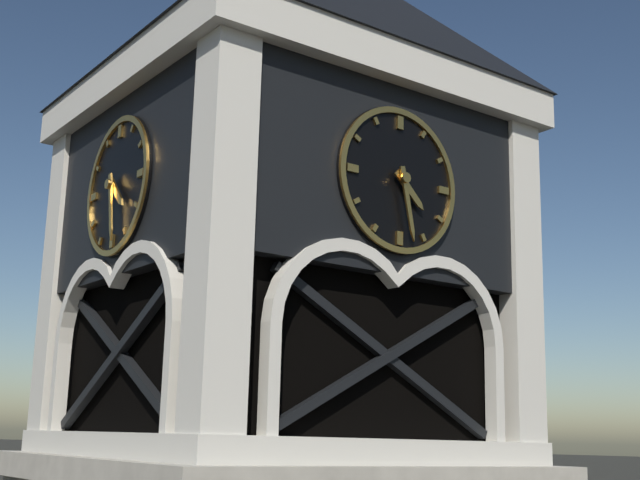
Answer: 4,28
